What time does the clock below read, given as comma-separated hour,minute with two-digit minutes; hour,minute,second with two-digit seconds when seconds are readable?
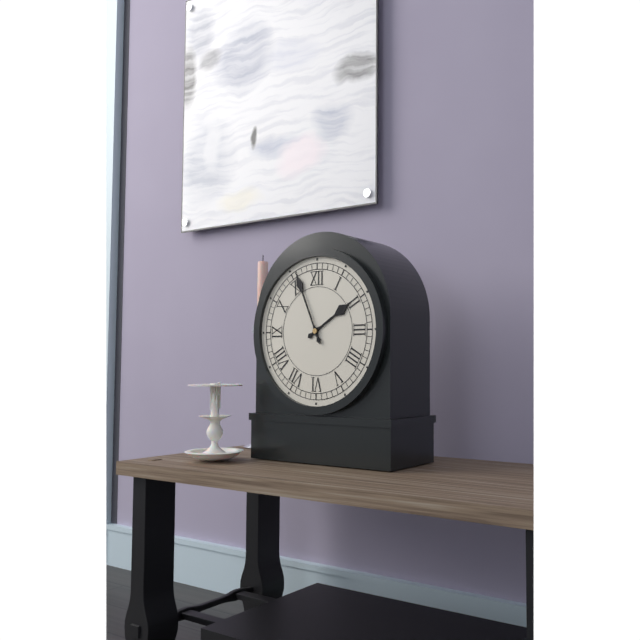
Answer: 1,56
